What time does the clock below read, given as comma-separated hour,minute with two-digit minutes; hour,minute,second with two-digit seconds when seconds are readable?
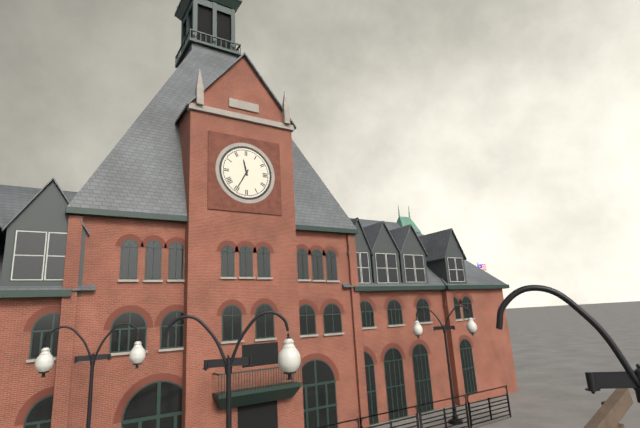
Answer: 11,35
